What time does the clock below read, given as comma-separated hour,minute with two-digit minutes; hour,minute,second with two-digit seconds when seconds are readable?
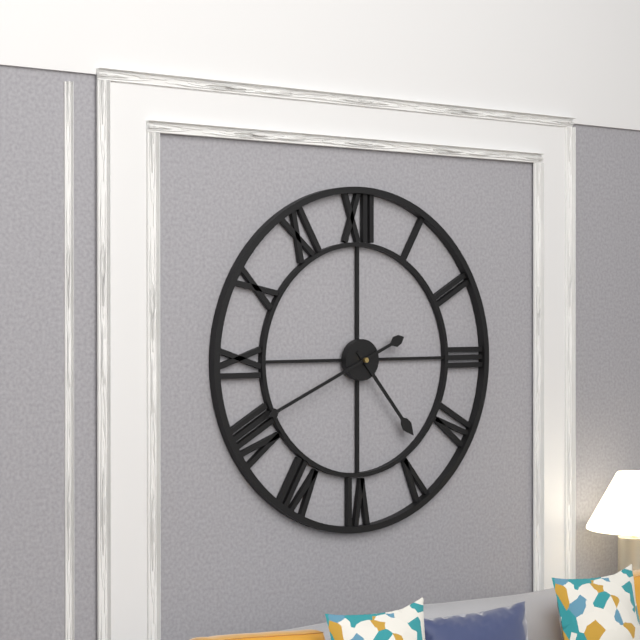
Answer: 4,41
